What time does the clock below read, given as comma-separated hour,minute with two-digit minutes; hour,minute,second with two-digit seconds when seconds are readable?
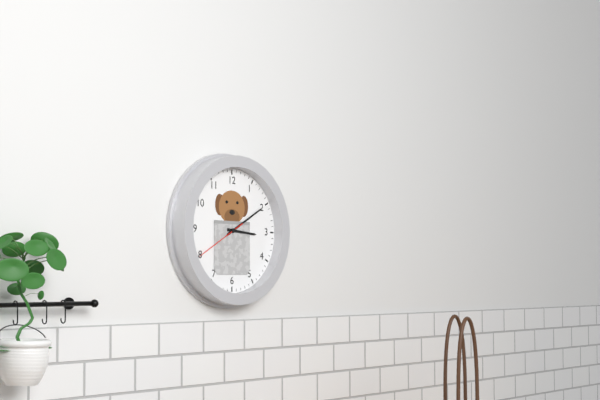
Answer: 3,10,40
